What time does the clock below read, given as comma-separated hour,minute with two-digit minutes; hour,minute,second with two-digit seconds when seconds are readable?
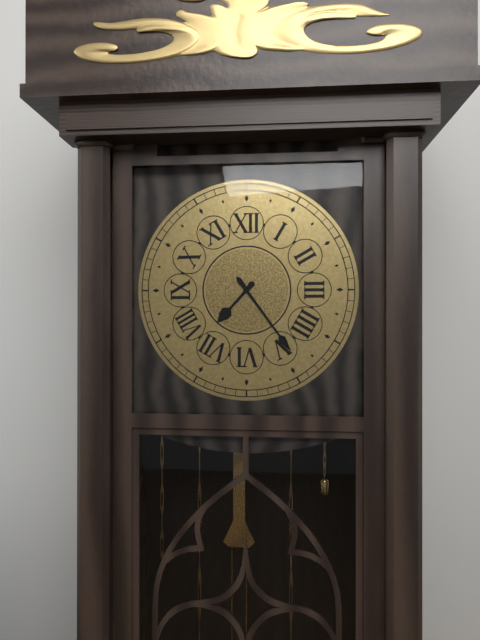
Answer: 7,24
